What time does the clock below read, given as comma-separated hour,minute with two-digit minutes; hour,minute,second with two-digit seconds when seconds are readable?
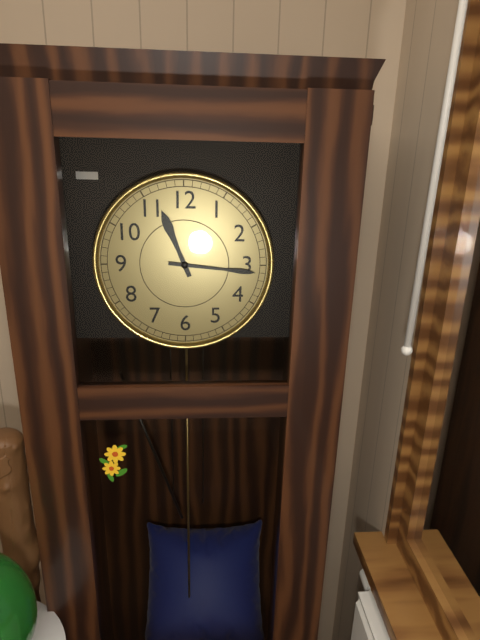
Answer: 11,16
